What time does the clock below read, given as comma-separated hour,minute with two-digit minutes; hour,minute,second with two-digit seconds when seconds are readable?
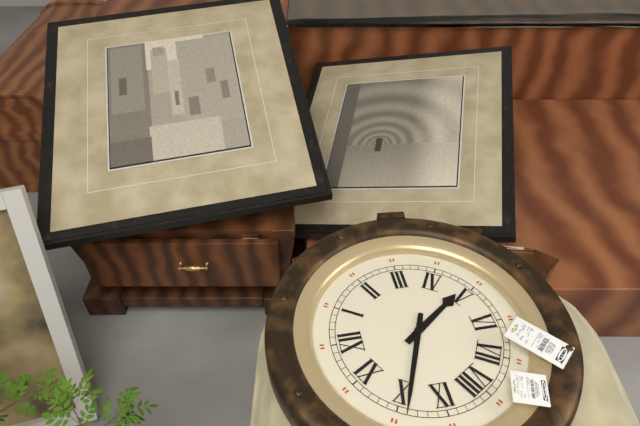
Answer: 4,49
